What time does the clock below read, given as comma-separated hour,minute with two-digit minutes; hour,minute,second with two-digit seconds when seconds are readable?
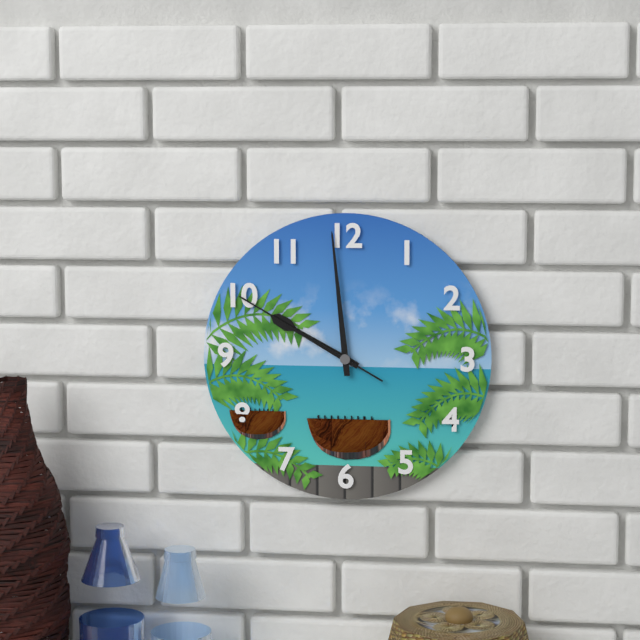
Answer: 9,59,50
